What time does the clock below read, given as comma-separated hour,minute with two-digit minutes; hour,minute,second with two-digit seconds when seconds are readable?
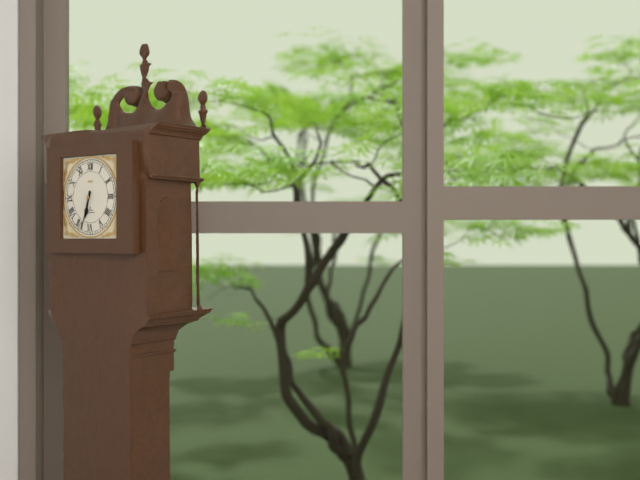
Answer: 6,33
